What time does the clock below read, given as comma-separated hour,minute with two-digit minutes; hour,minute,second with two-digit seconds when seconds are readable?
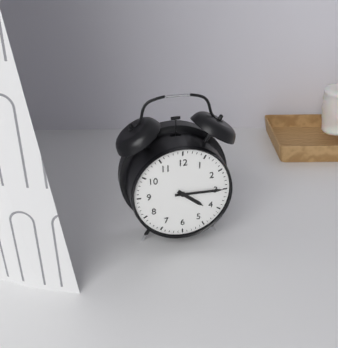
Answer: 4,15
